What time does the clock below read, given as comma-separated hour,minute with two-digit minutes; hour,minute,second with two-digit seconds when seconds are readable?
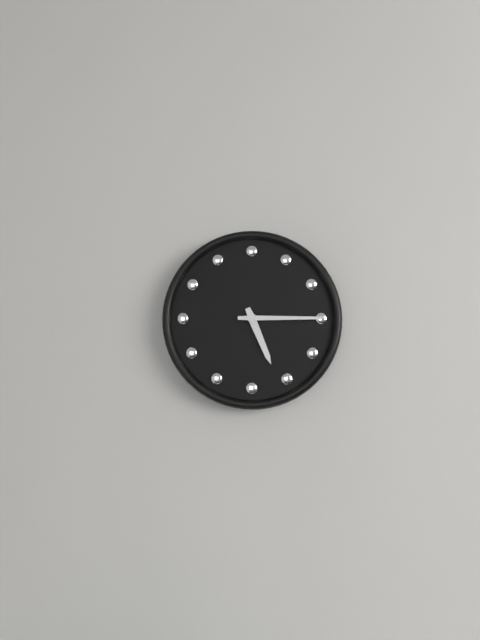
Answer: 5,15
